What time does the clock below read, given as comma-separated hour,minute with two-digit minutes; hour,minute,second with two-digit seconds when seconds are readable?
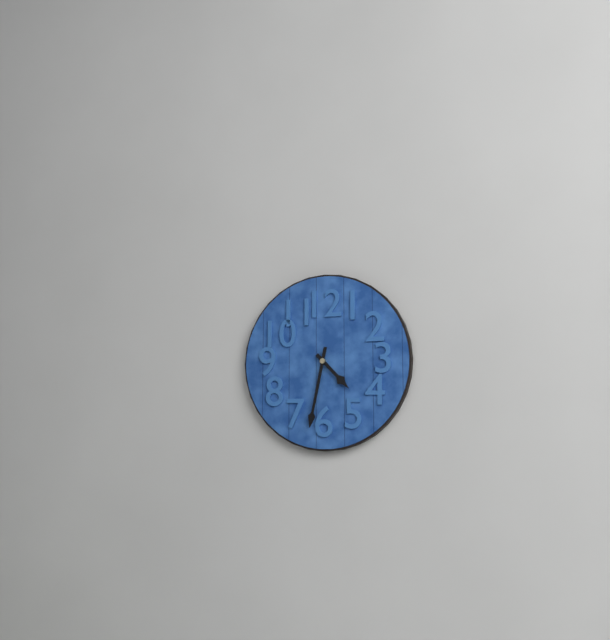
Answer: 4,32
